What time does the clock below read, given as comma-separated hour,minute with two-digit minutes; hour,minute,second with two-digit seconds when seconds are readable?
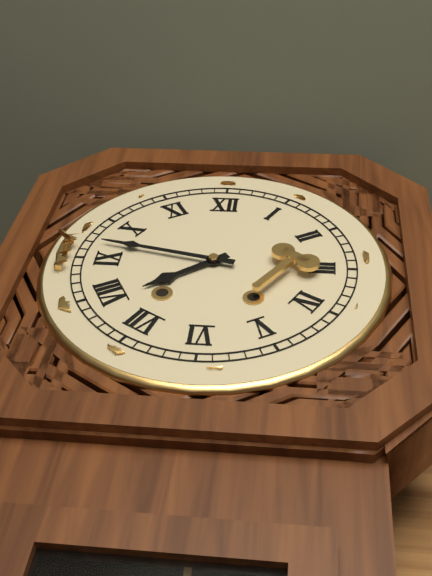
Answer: 7,47
